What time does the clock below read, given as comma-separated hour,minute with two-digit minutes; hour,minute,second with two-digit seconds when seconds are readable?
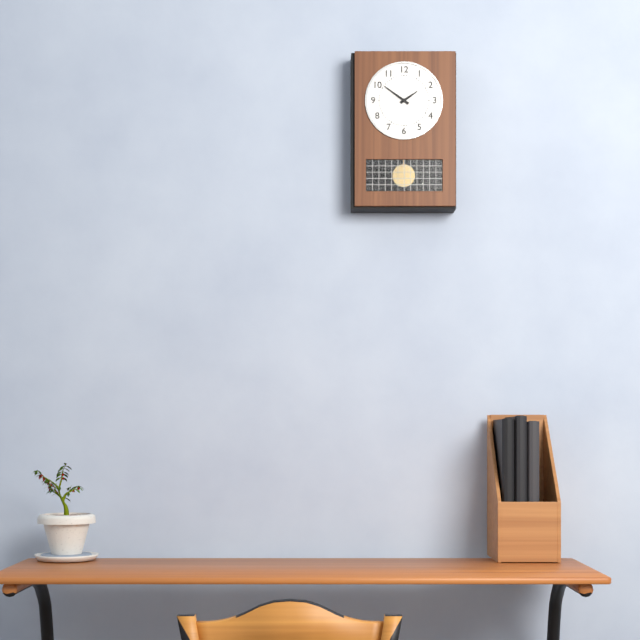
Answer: 1,51
